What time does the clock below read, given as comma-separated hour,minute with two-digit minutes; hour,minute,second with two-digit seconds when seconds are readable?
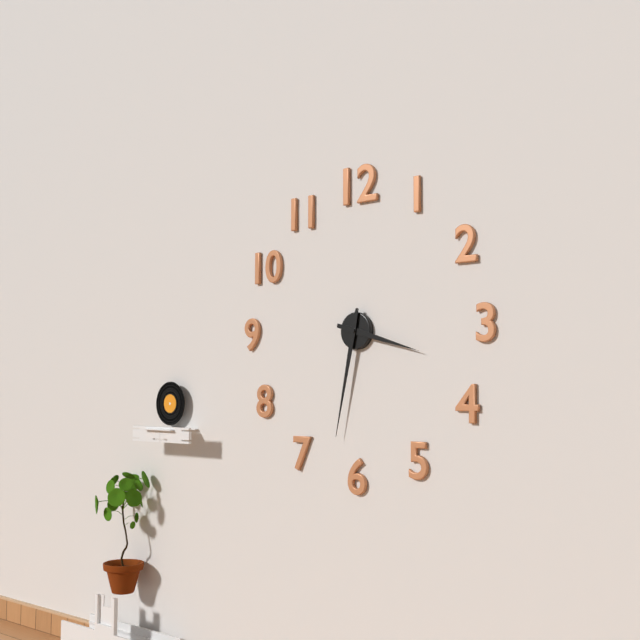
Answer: 3,32
